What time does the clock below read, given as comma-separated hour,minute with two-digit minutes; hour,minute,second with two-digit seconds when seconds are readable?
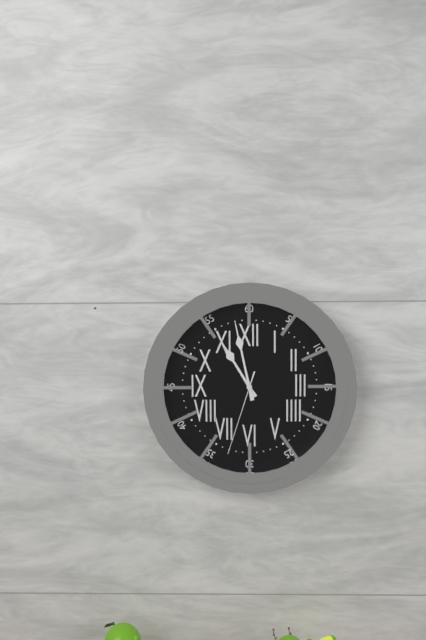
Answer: 10,58,33
